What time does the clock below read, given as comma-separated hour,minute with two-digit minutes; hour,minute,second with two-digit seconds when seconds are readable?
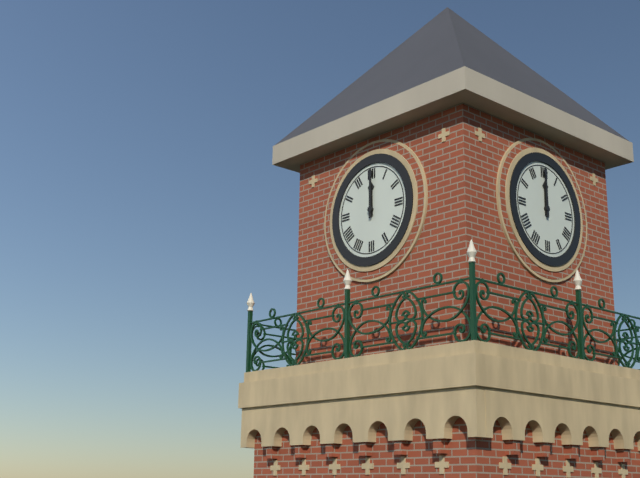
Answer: 12,00
